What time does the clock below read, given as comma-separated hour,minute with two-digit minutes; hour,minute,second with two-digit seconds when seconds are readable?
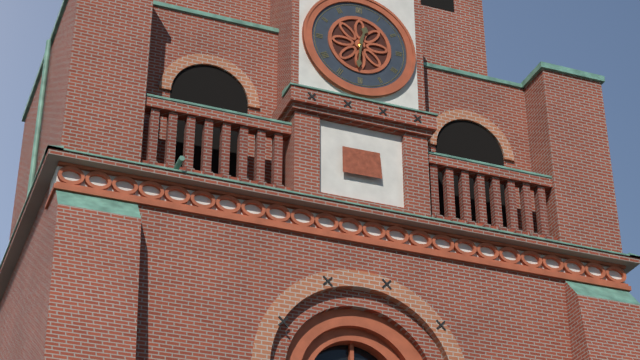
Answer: 12,31
